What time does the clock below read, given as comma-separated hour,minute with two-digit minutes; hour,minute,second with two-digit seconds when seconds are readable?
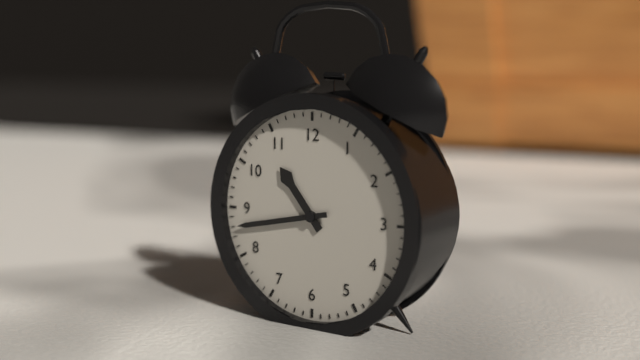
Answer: 10,43
